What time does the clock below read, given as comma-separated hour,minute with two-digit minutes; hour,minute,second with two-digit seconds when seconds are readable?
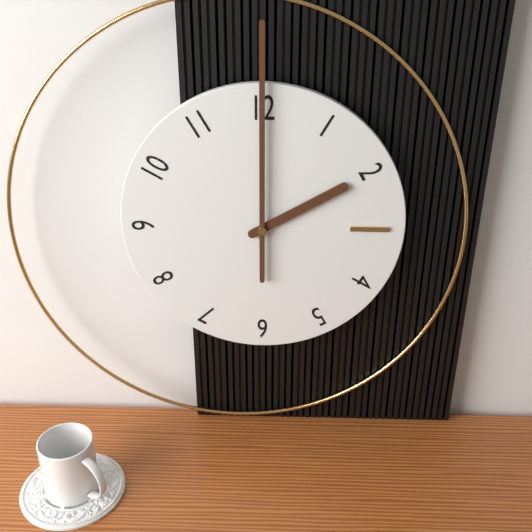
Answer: 2,00
